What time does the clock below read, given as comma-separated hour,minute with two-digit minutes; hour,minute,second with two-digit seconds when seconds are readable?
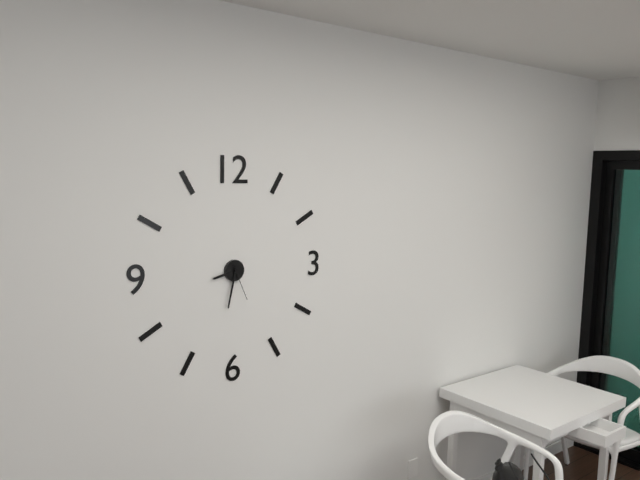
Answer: 8,32
